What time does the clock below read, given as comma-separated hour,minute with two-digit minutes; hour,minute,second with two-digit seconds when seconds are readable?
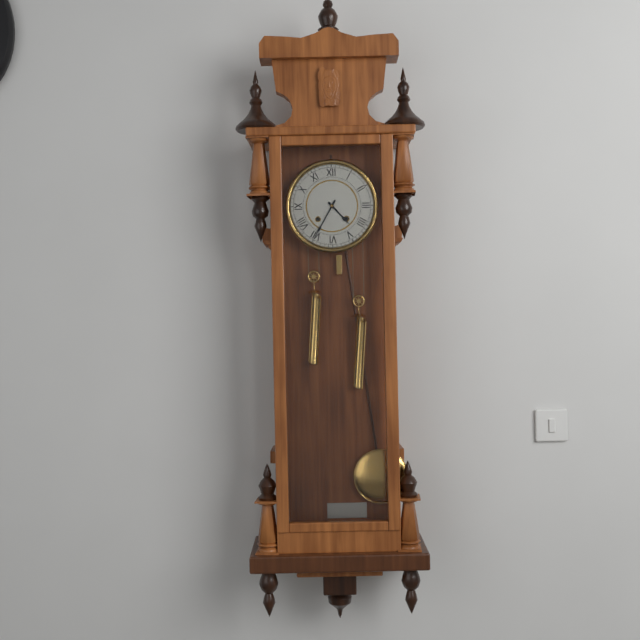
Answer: 4,35
